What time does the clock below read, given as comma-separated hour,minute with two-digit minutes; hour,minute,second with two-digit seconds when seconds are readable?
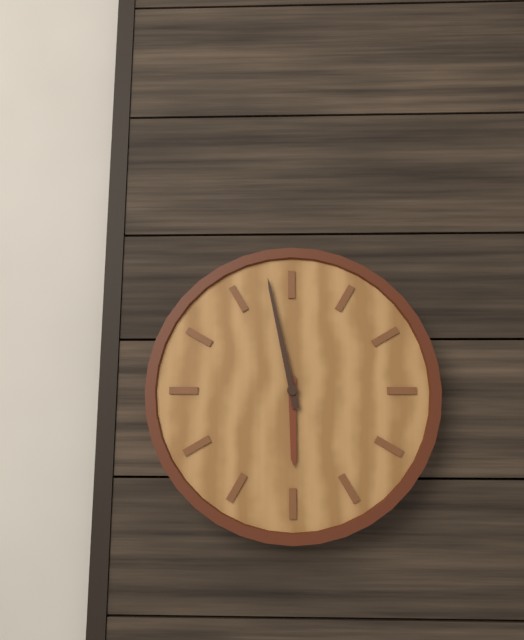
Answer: 5,58
